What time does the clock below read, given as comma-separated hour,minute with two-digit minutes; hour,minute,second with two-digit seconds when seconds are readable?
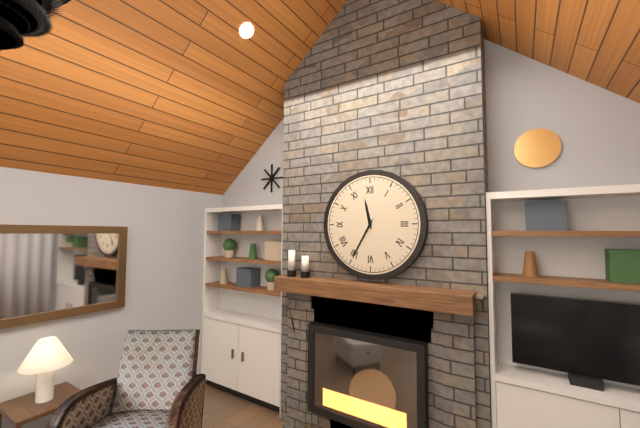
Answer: 11,35
